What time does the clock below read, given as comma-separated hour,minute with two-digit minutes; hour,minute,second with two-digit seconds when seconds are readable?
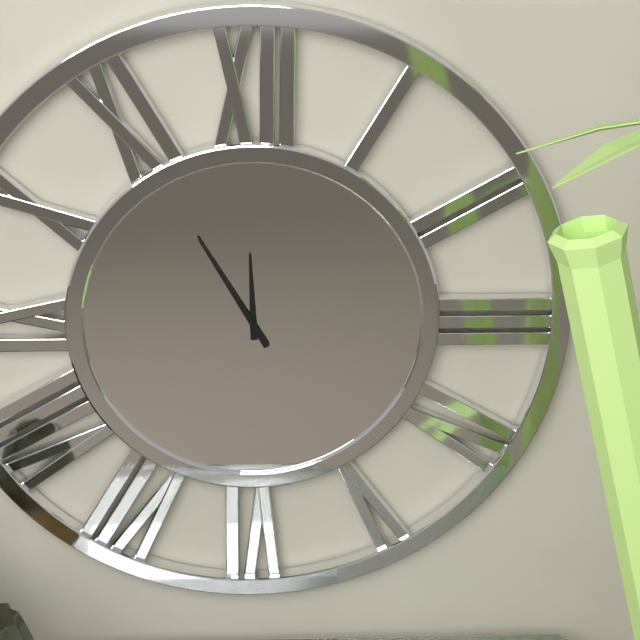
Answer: 11,55
